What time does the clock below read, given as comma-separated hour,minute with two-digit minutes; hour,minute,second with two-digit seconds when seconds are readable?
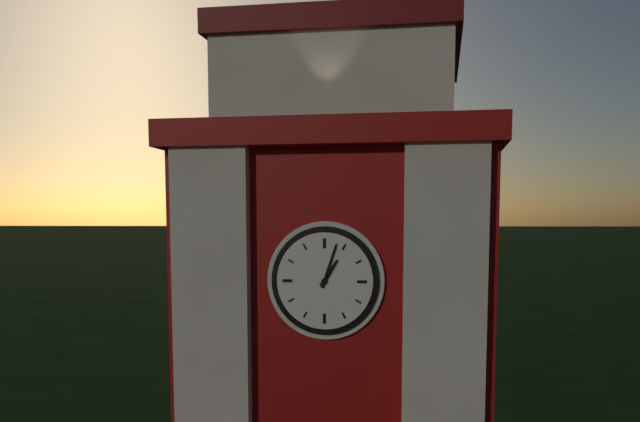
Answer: 1,03
